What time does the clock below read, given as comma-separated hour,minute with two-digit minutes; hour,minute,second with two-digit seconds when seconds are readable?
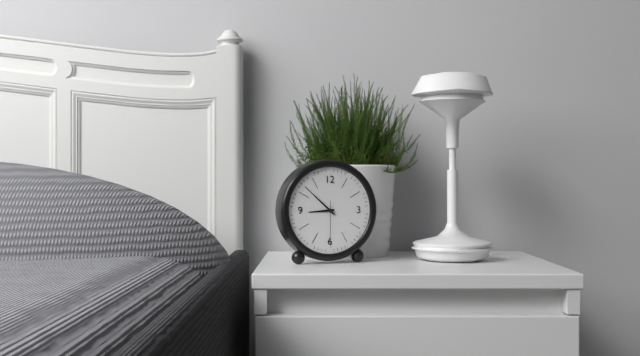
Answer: 8,52
